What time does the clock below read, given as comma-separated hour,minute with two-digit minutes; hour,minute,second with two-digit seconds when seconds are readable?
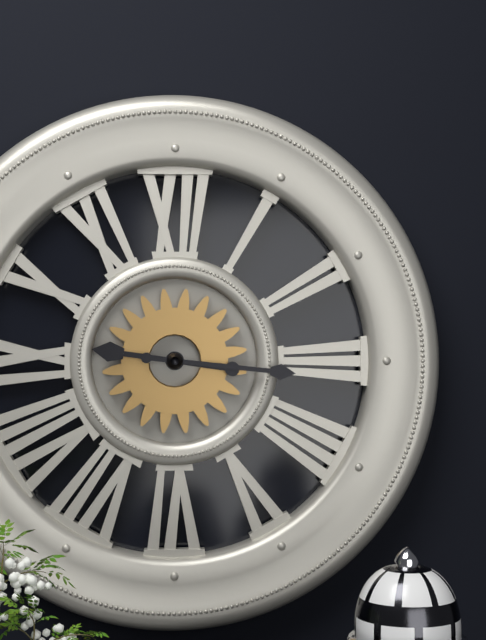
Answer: 9,16
